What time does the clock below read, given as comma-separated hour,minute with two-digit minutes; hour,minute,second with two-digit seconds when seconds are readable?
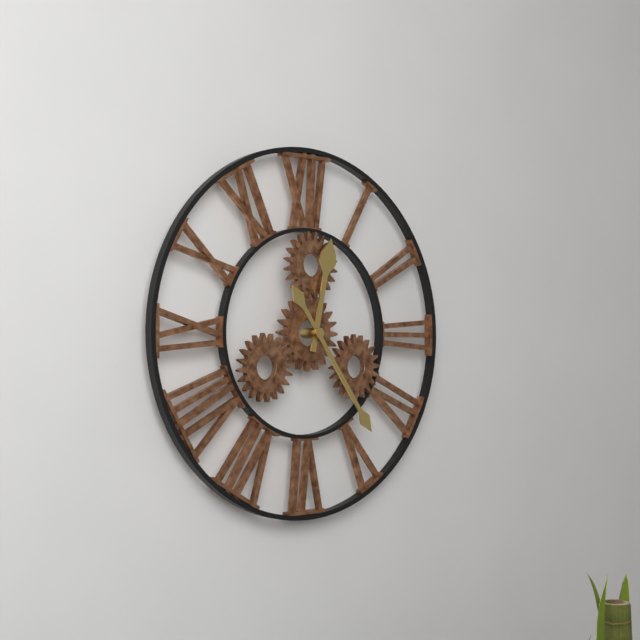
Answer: 12,24
